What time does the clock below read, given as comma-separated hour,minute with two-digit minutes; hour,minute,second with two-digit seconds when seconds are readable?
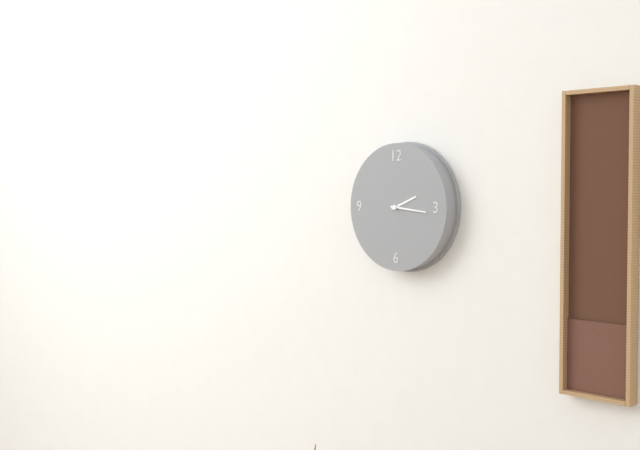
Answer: 2,16
